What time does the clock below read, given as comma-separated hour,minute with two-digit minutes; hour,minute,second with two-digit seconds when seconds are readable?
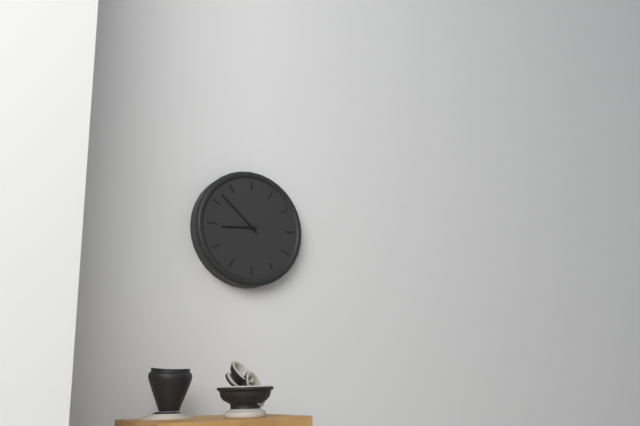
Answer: 8,52
